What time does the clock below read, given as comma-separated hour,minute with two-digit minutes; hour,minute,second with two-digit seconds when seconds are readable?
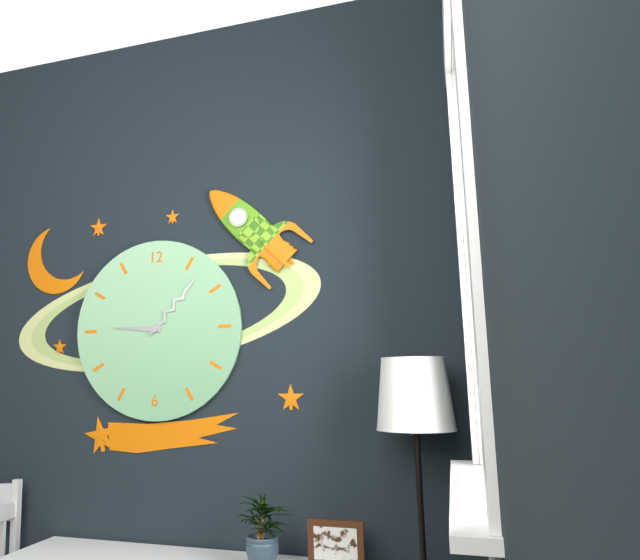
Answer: 9,07
